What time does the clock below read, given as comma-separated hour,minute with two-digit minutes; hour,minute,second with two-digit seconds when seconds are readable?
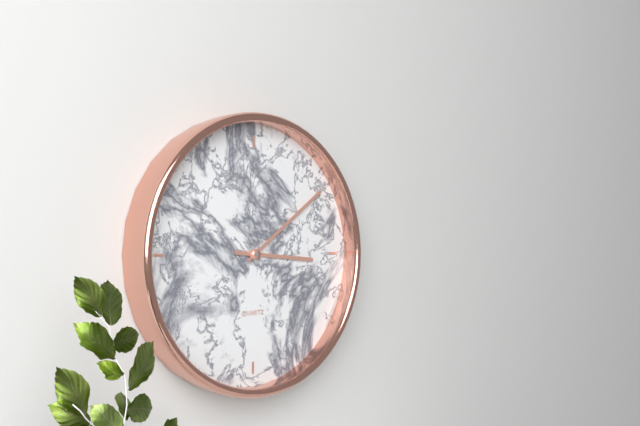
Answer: 3,09
